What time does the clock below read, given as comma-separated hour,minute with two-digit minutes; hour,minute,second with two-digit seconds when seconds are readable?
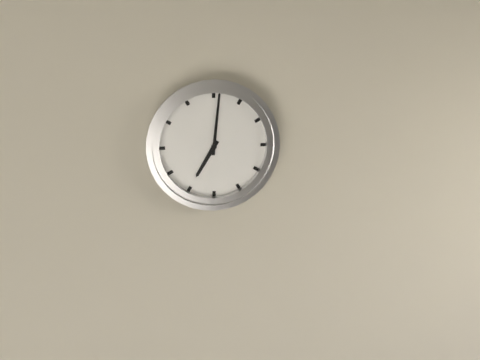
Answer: 7,01
